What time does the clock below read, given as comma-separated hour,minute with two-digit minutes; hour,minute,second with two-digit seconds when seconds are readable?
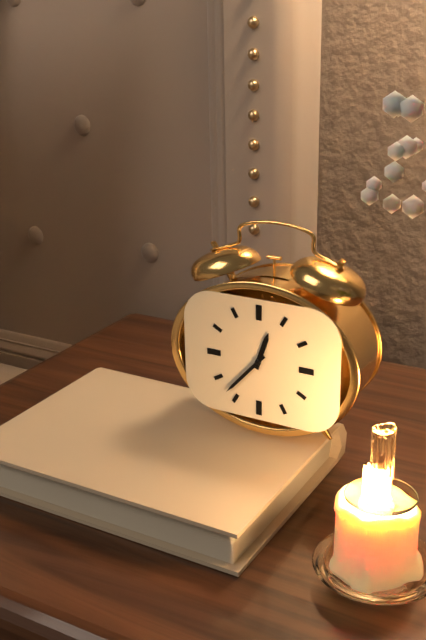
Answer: 12,37
